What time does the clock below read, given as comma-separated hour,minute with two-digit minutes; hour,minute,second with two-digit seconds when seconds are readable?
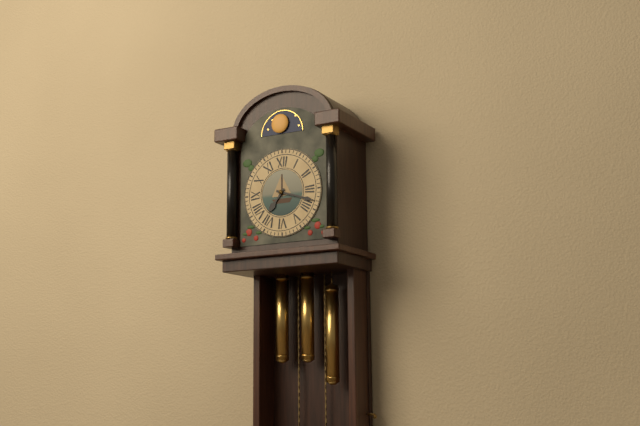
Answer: 7,18
